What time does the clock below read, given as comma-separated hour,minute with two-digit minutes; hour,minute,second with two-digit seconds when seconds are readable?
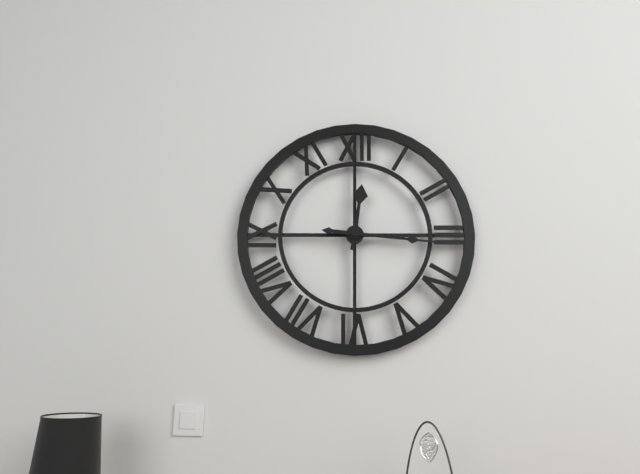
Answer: 12,16
